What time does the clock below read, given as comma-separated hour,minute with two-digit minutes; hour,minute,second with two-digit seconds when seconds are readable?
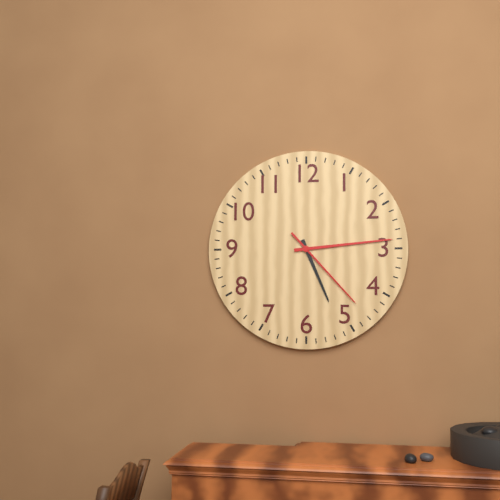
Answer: 5,14,23
